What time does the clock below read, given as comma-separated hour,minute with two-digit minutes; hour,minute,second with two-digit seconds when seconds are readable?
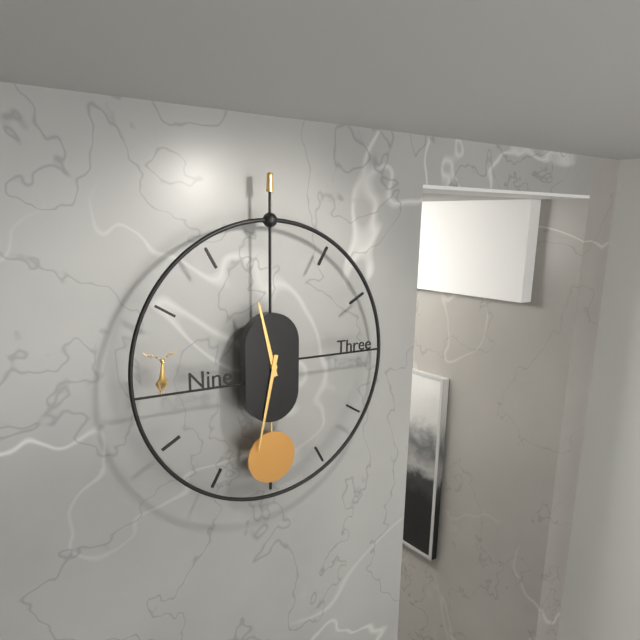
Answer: 11,32
